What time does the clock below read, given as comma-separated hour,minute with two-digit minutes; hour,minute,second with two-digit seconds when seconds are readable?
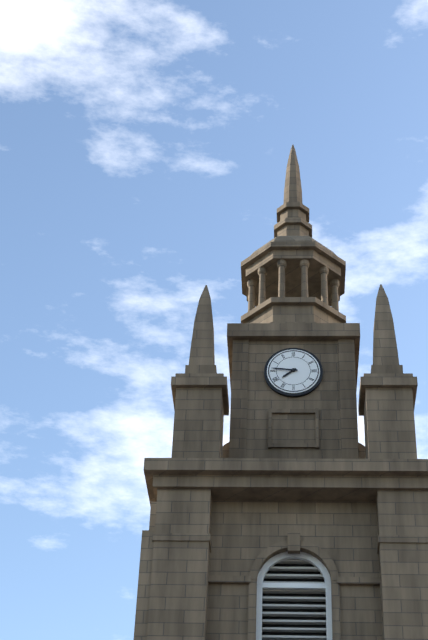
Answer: 7,46
